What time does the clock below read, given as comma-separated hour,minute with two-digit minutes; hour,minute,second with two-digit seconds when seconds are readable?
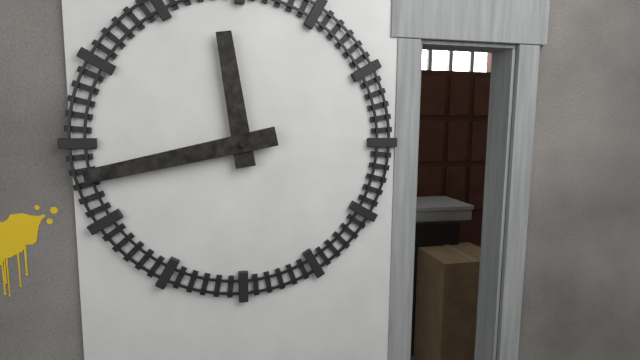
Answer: 11,43
